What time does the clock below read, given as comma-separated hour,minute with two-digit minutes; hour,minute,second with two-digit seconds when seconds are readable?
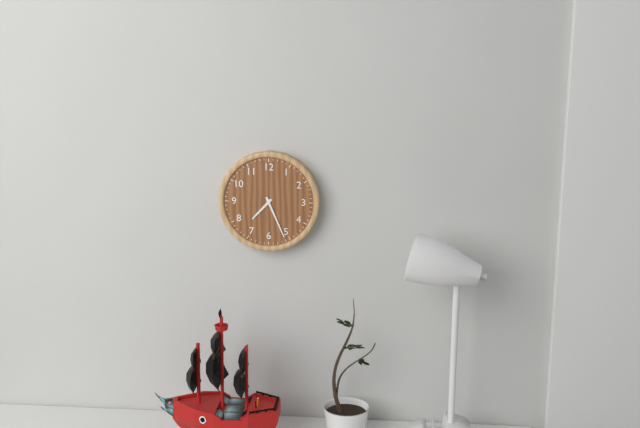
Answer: 7,26
